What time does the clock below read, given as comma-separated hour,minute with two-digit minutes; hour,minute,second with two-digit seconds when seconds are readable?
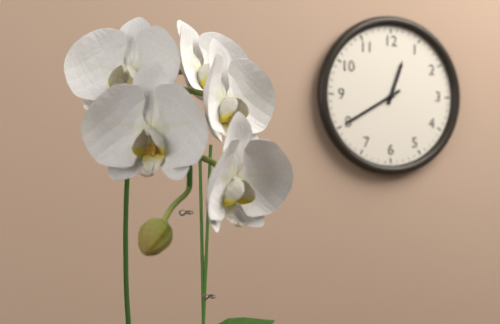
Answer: 12,40
